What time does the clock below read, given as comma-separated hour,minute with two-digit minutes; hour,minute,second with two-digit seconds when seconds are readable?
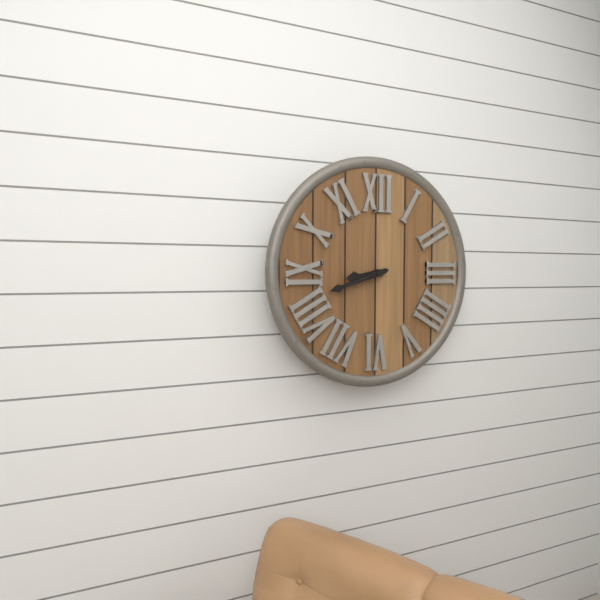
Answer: 8,42
